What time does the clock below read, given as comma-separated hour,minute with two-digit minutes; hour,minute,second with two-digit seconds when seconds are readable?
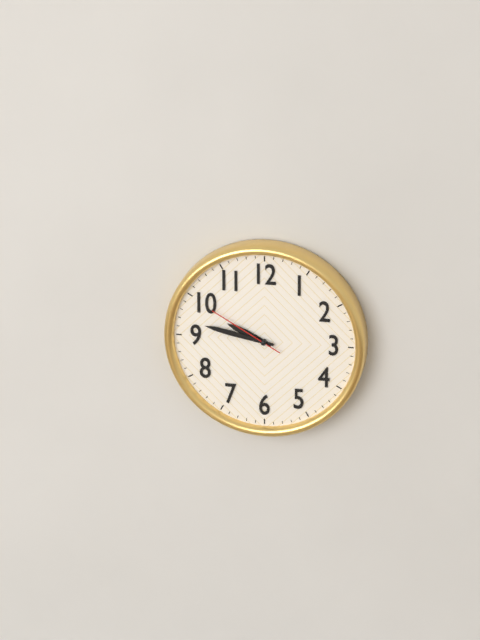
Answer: 9,47,50
